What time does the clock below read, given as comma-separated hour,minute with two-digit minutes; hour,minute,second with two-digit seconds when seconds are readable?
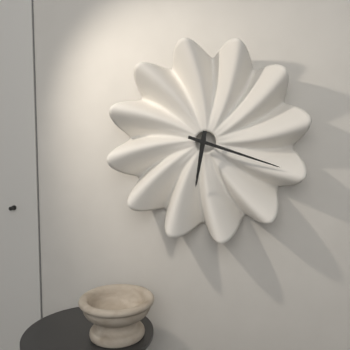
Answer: 6,18
